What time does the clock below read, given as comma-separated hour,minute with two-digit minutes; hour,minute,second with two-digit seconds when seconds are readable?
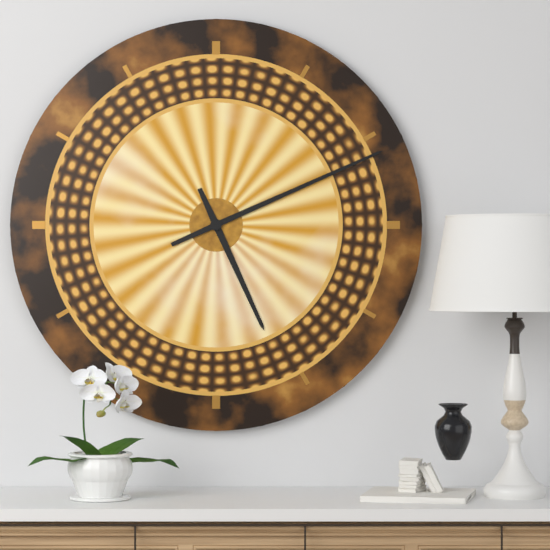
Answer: 5,11
